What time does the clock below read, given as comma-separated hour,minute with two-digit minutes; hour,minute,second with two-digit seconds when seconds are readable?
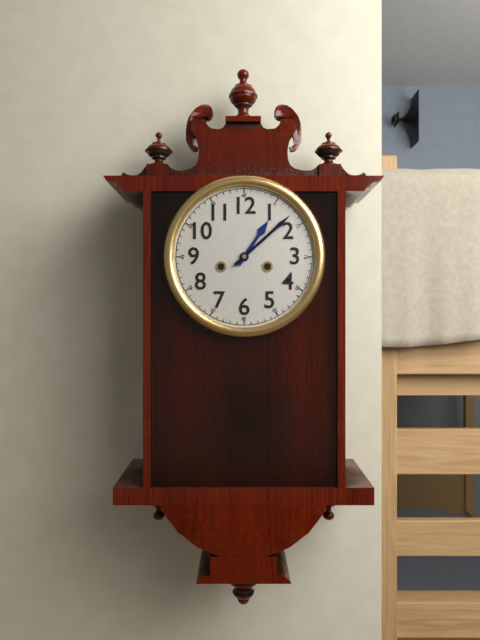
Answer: 1,08
